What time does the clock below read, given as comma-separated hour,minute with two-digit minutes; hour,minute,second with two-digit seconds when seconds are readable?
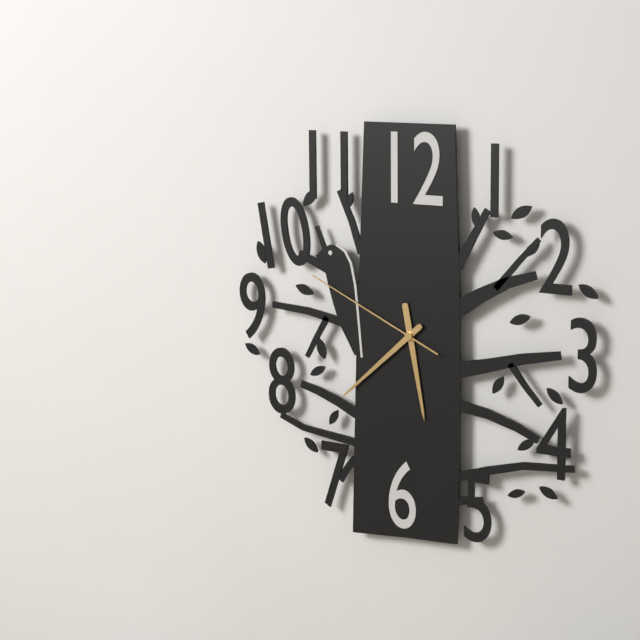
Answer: 5,38,49
